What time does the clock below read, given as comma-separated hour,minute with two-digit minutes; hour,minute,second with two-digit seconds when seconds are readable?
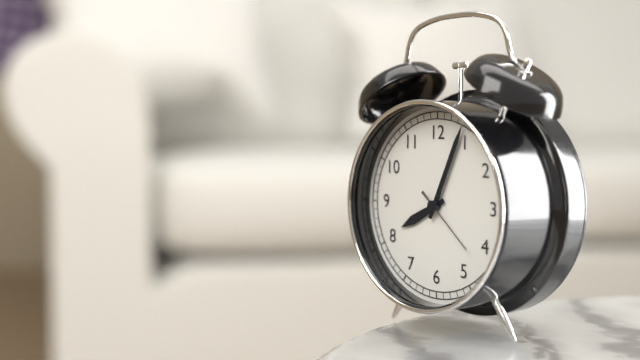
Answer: 8,04,22
